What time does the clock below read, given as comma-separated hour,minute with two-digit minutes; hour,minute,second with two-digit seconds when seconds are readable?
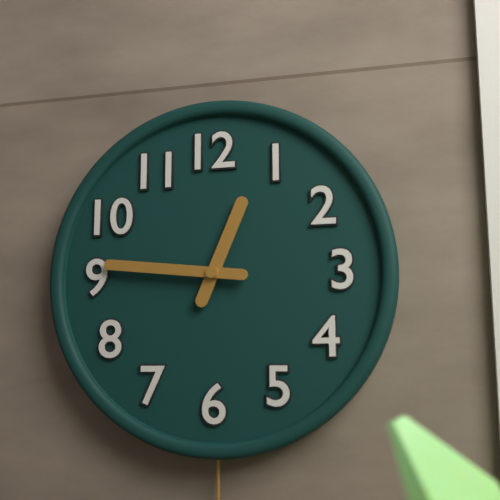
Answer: 12,46
